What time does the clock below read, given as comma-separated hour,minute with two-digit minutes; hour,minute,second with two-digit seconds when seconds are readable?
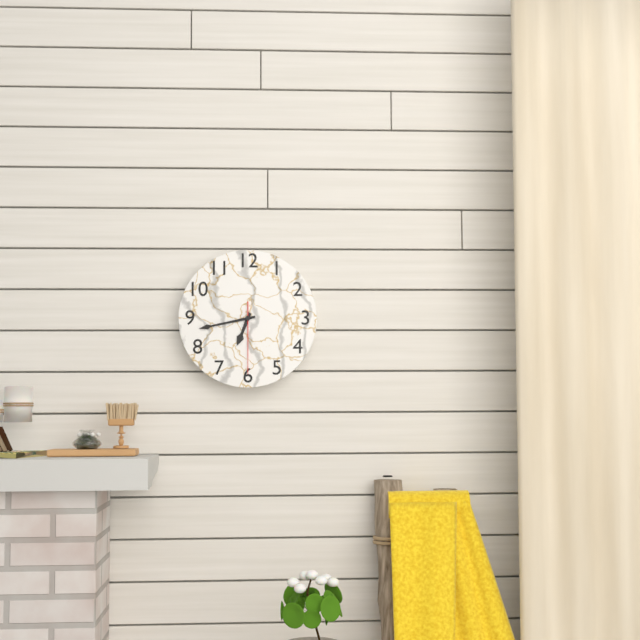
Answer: 6,43,30
